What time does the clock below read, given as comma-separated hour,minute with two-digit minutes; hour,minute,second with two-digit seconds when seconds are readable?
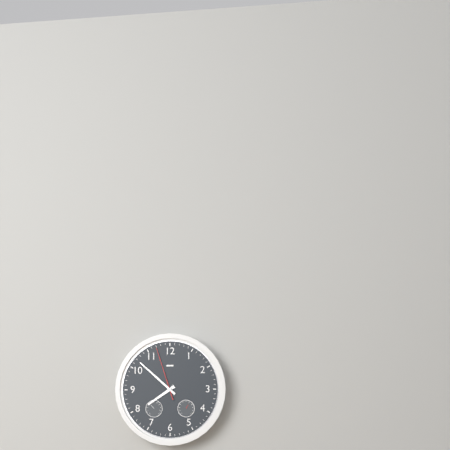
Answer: 7,52,57
